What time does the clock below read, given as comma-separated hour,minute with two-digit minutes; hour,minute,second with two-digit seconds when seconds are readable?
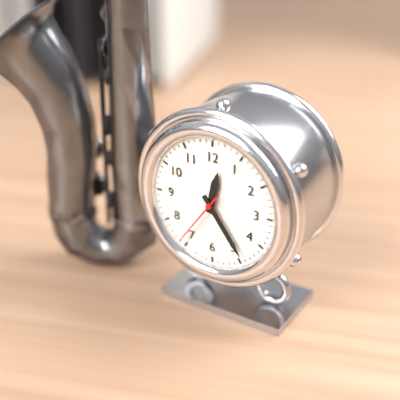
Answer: 12,24,36
